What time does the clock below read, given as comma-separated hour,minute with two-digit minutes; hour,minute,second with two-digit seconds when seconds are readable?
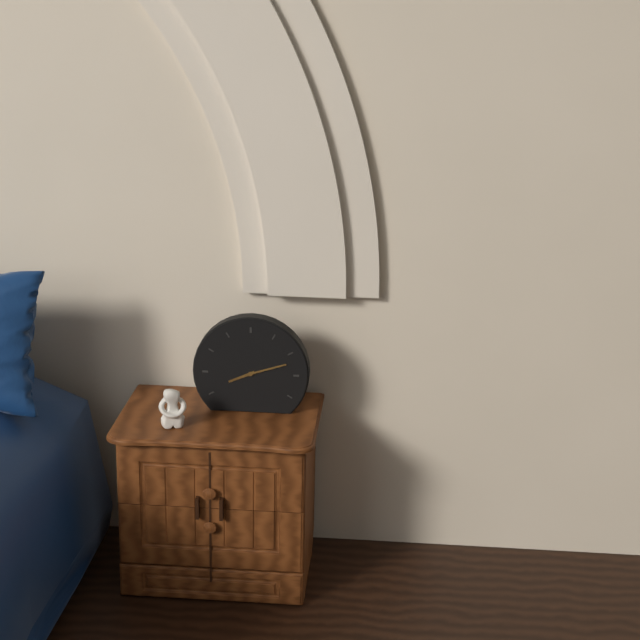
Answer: 8,12
